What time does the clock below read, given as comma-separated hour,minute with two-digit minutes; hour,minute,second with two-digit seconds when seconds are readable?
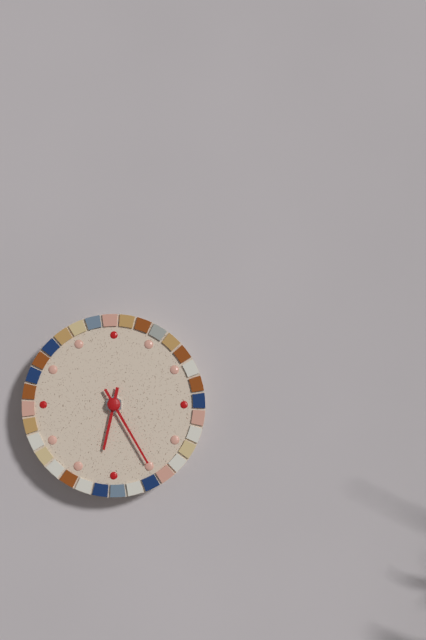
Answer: 6,25
